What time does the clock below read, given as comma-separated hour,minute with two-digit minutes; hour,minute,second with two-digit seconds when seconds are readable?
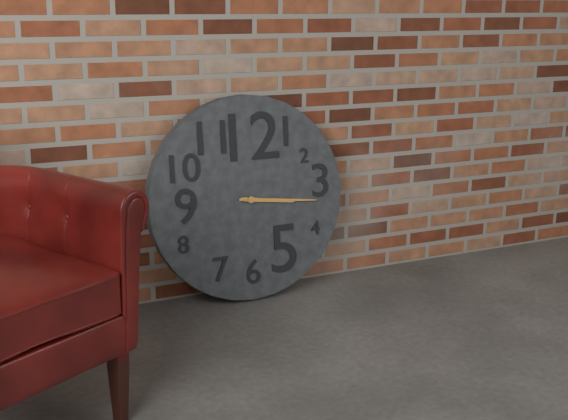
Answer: 3,16
